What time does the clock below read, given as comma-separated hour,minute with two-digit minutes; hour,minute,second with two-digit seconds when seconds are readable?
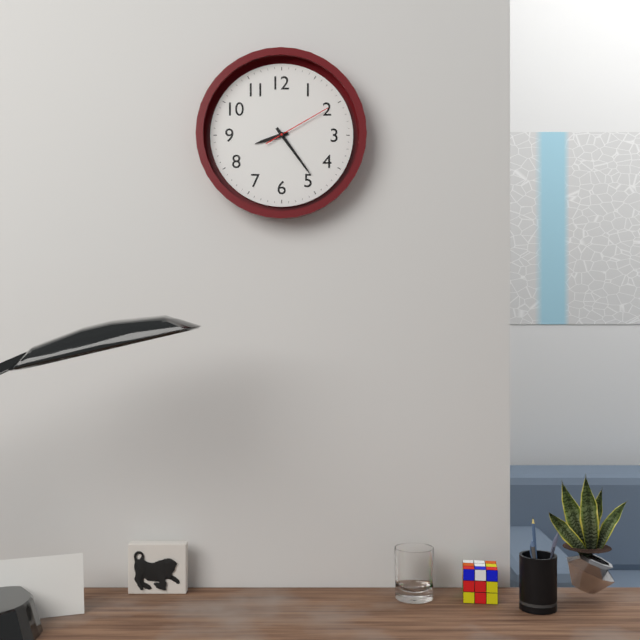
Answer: 8,24,10
